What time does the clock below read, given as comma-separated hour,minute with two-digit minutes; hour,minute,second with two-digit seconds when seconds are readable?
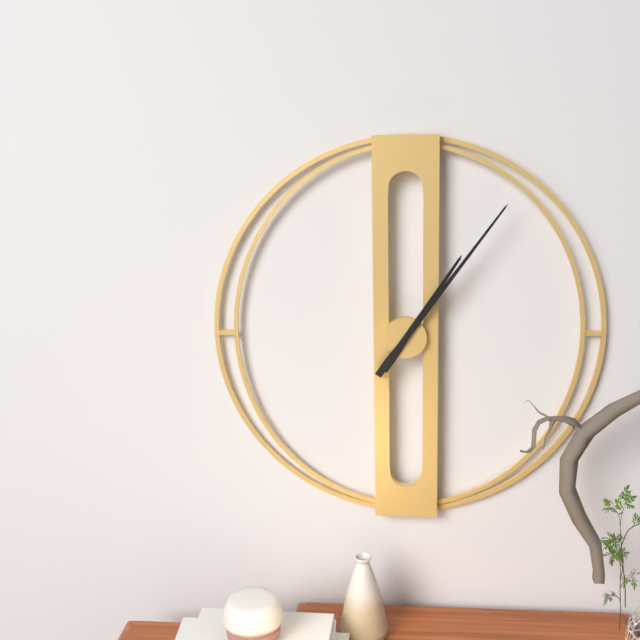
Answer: 1,06
